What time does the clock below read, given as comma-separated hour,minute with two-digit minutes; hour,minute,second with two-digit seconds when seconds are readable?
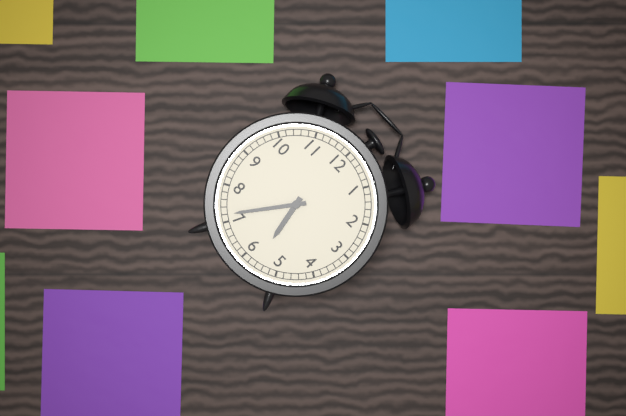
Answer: 5,36
